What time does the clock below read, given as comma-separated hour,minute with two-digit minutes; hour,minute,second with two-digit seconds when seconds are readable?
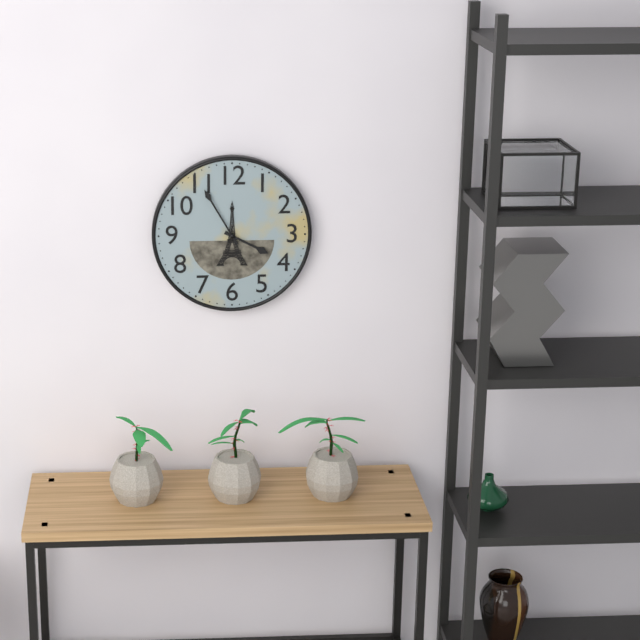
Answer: 3,55
